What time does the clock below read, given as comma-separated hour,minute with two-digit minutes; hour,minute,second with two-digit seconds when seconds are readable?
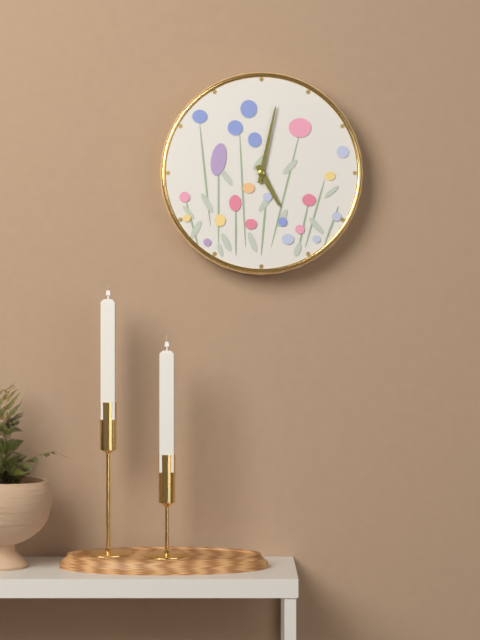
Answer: 5,02
